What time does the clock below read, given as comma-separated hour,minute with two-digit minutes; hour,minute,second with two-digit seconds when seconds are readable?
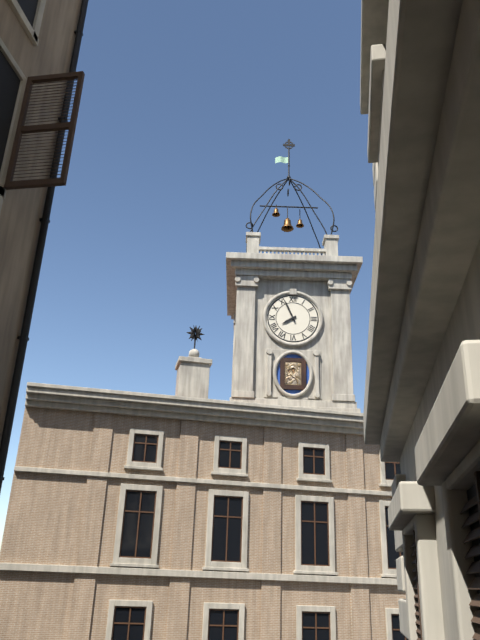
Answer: 7,56
